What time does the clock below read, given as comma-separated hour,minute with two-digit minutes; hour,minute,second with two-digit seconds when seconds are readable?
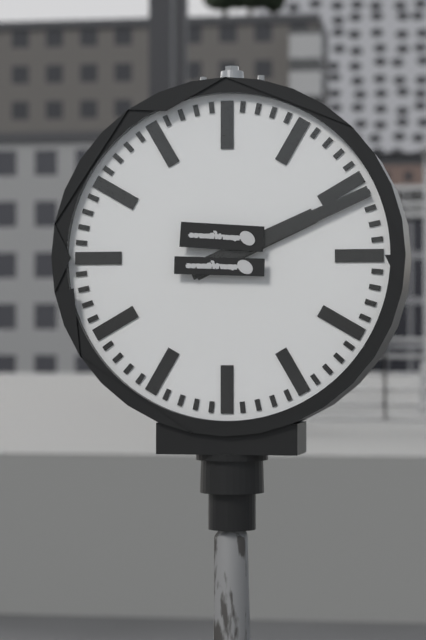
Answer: 2,11
